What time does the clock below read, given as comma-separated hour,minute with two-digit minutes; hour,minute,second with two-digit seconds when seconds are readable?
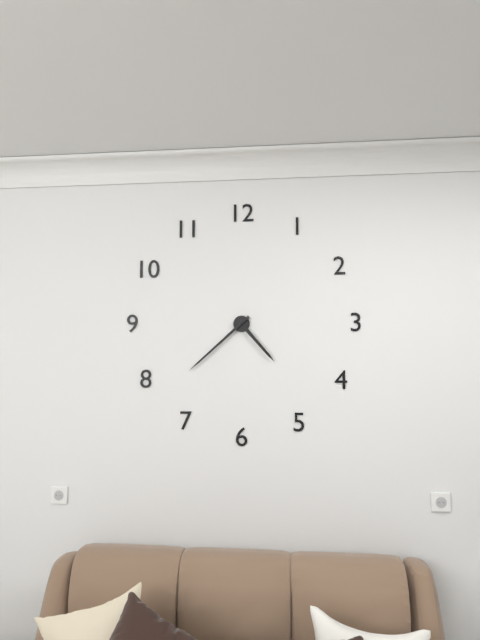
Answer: 4,38
